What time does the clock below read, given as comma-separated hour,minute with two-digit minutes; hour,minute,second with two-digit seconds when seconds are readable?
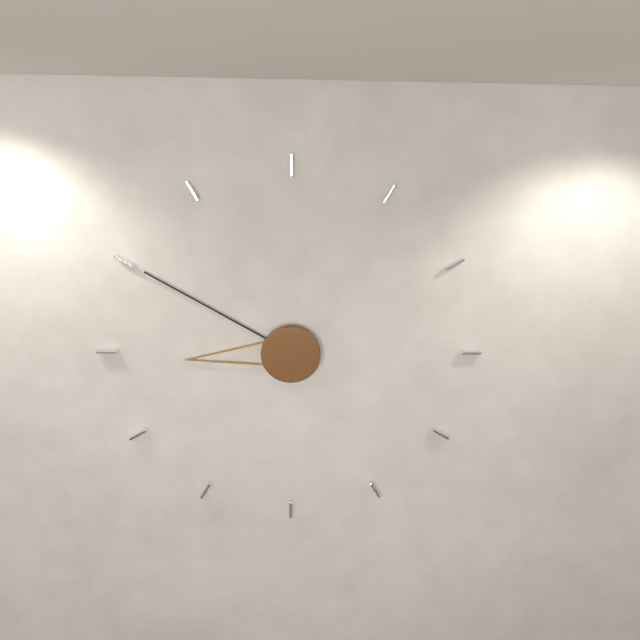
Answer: 8,50
